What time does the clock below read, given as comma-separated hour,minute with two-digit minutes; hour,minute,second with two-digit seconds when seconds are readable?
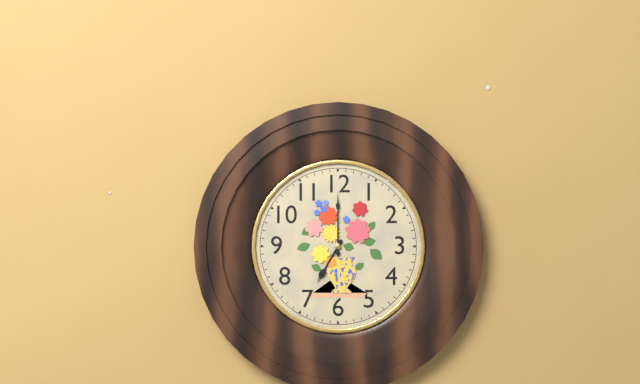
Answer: 7,00
